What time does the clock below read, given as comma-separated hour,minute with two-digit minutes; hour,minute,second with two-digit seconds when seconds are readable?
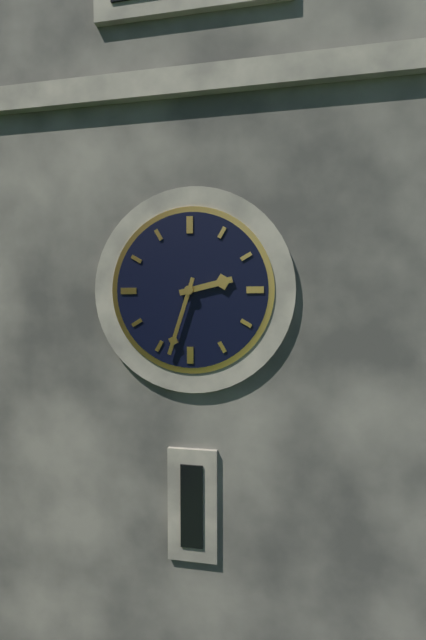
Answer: 2,33
